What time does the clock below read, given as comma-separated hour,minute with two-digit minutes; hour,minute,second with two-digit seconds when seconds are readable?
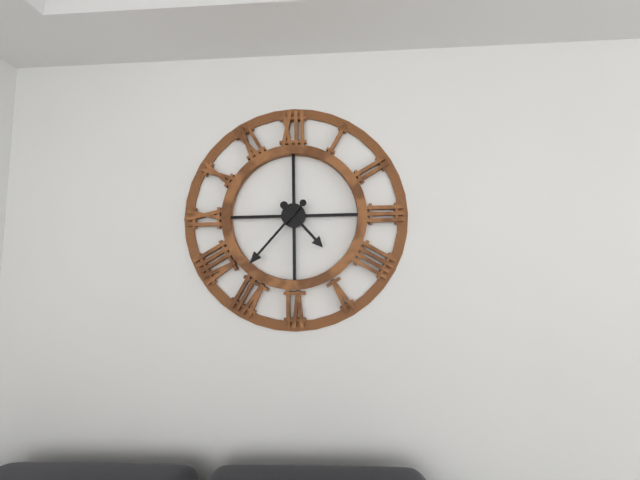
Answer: 4,37
